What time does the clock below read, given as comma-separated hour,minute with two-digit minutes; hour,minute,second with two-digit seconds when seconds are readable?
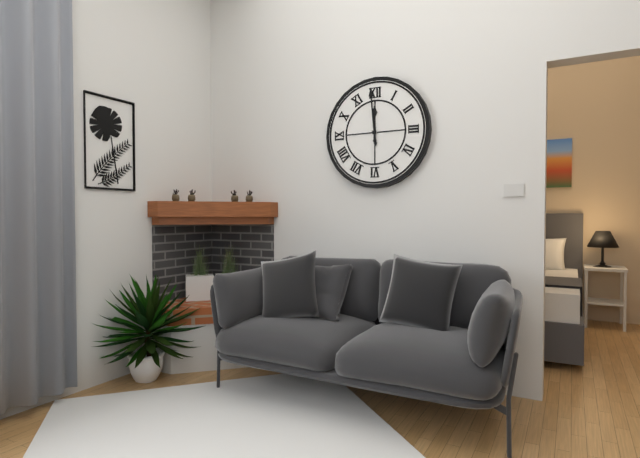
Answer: 11,59
